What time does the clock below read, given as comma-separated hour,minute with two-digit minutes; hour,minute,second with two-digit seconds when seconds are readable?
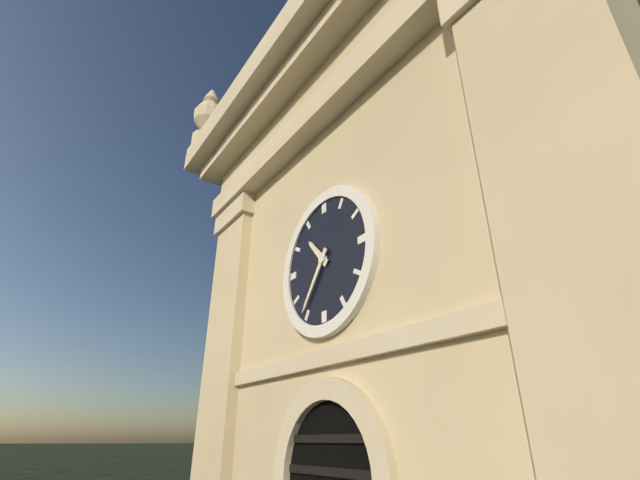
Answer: 10,36
